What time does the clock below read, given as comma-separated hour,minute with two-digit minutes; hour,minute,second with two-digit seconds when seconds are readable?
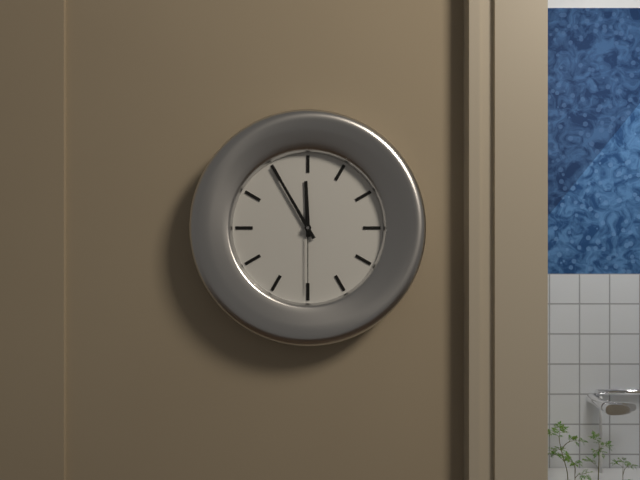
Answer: 11,55,30
